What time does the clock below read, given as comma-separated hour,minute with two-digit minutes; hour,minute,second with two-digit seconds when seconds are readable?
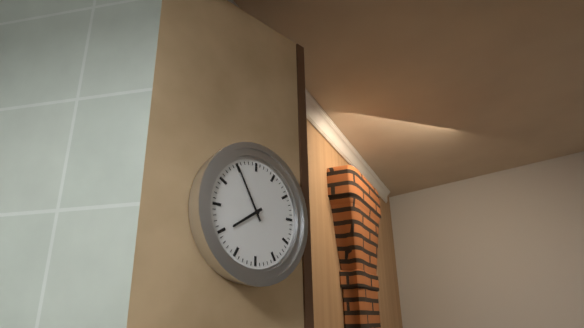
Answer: 7,55
